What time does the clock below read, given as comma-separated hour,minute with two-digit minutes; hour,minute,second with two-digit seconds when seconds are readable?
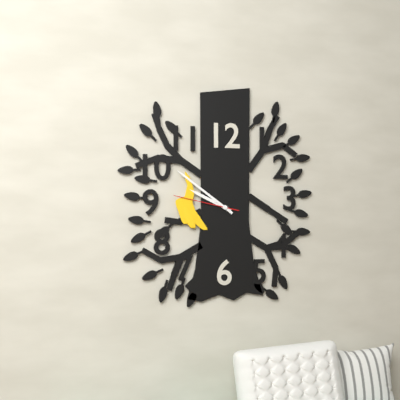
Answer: 9,51,47
